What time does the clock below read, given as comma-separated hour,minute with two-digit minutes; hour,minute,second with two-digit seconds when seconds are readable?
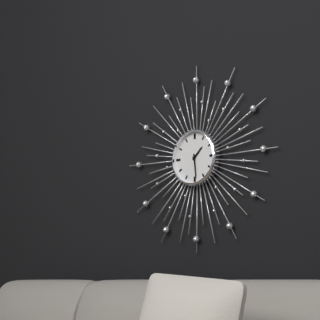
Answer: 1,29
